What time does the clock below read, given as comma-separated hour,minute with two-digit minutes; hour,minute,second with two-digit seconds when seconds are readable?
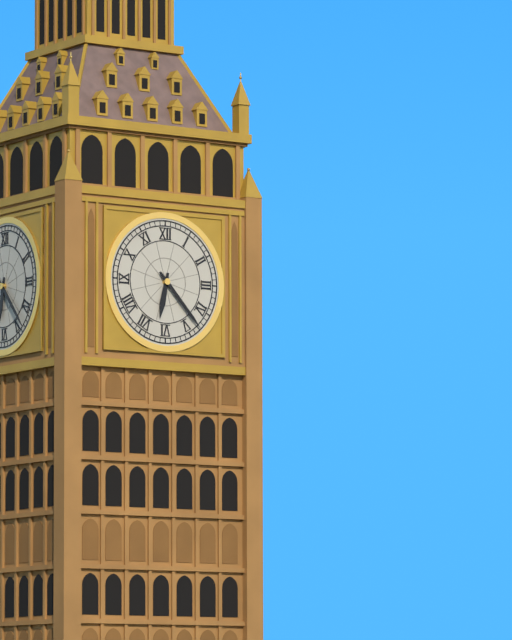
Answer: 6,23
